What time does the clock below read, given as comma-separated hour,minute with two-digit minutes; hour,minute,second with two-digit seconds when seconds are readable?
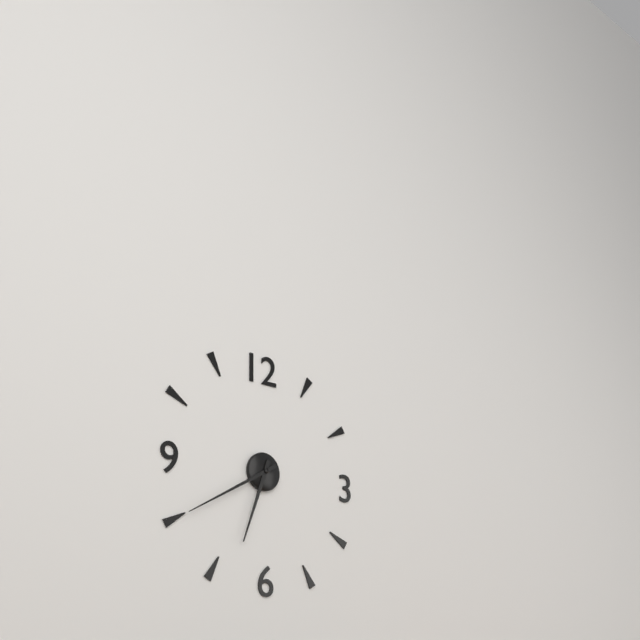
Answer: 6,40
